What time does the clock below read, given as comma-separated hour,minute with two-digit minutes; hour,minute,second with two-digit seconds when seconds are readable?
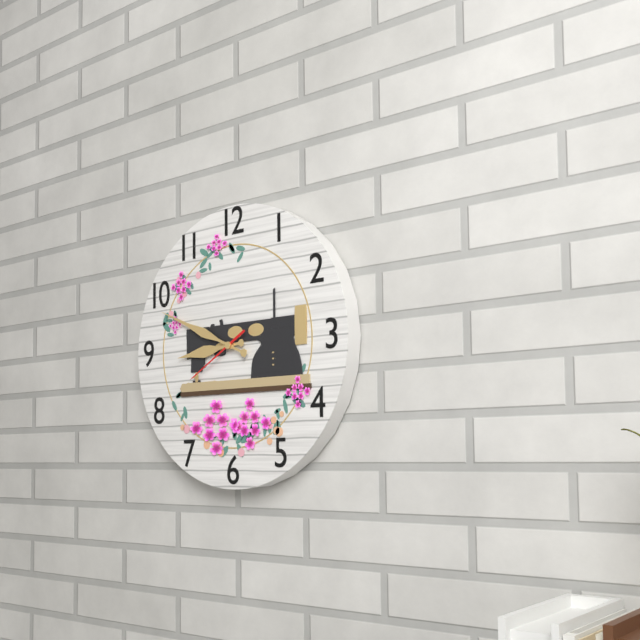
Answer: 8,49,40
